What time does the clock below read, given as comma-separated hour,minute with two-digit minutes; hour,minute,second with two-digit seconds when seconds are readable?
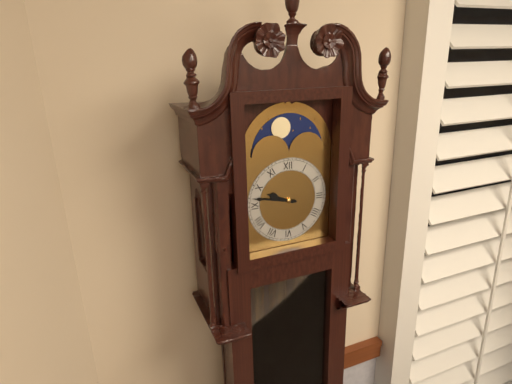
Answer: 9,47
